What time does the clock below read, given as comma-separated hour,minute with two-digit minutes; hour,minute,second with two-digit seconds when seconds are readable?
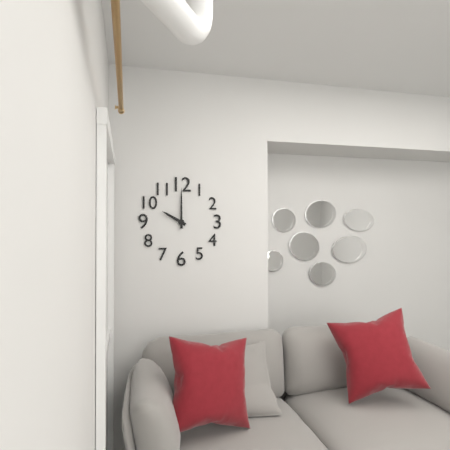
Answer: 10,00
